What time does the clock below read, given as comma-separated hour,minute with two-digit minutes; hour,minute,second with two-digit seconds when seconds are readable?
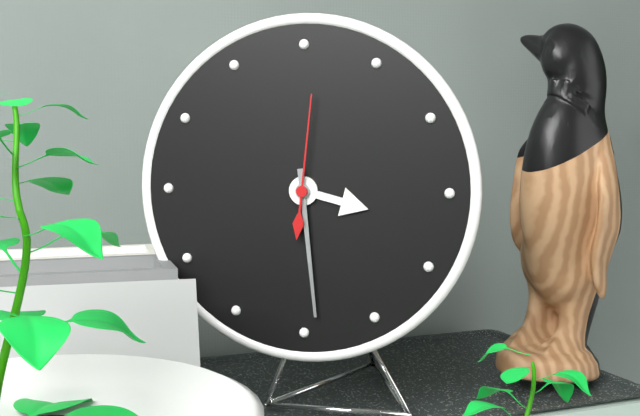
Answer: 3,29,01
